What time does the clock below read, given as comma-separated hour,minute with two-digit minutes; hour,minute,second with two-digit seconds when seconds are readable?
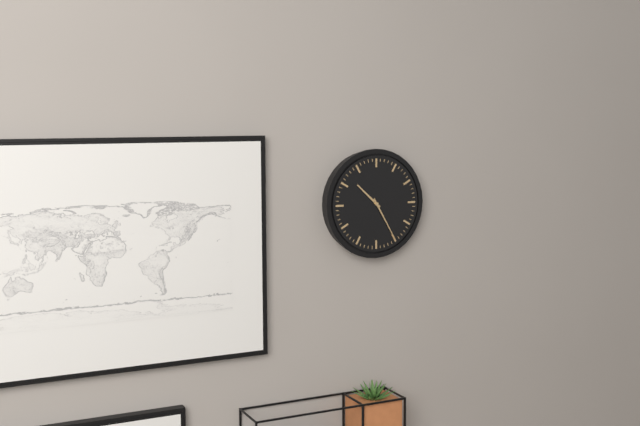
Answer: 10,25
